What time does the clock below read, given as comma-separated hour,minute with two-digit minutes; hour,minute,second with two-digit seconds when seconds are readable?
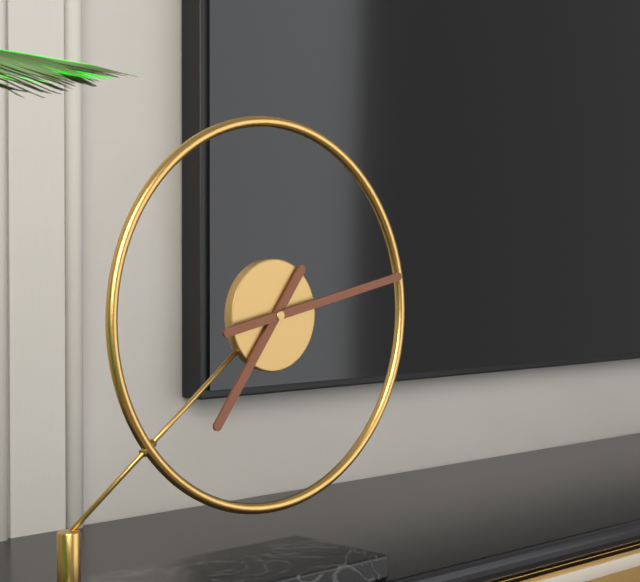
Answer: 7,13
